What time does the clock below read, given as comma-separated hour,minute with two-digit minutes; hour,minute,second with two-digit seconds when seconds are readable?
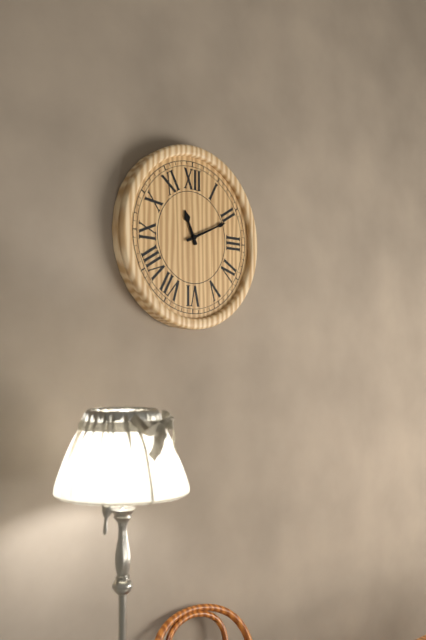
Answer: 11,11
